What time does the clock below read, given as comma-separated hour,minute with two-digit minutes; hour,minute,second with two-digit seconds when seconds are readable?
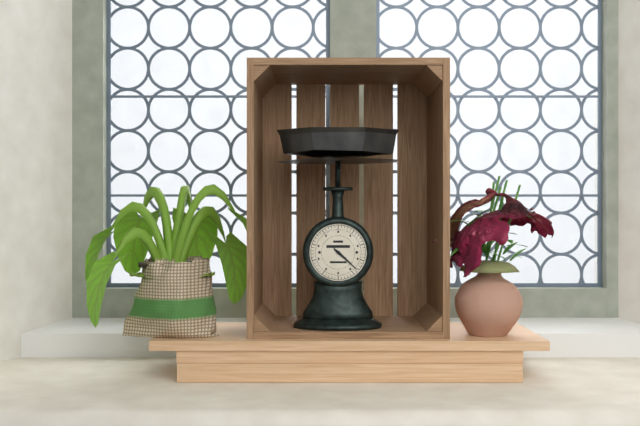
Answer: 4,22
